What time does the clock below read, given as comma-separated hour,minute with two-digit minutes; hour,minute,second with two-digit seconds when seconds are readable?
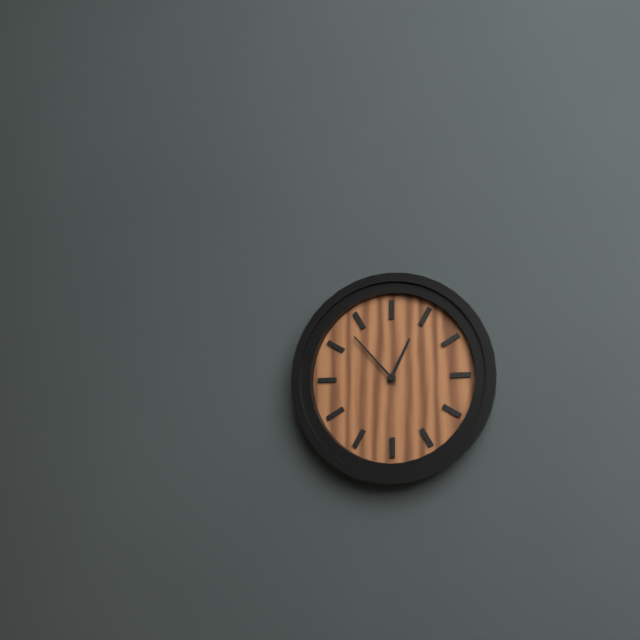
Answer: 12,53
